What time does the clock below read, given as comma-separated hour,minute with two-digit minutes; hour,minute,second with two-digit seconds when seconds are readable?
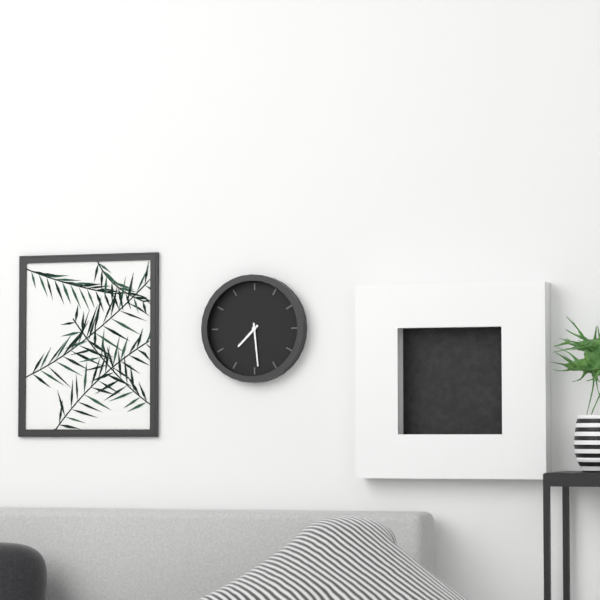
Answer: 7,29
